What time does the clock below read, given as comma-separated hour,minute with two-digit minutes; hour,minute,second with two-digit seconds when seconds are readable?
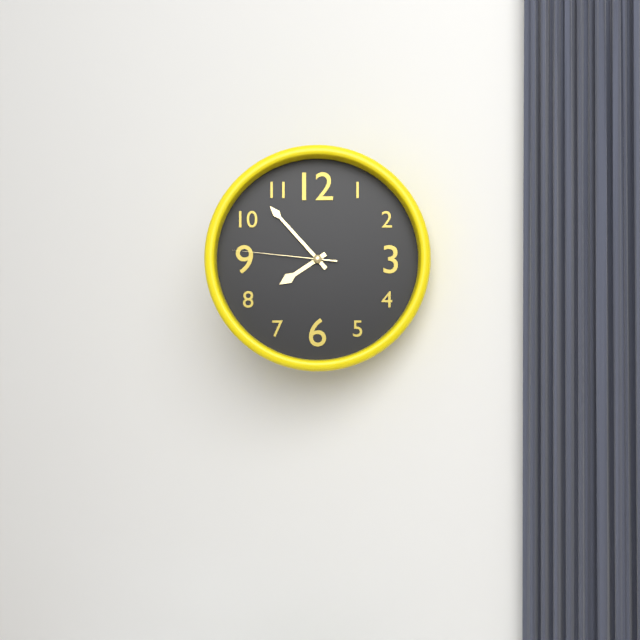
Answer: 7,53,46
